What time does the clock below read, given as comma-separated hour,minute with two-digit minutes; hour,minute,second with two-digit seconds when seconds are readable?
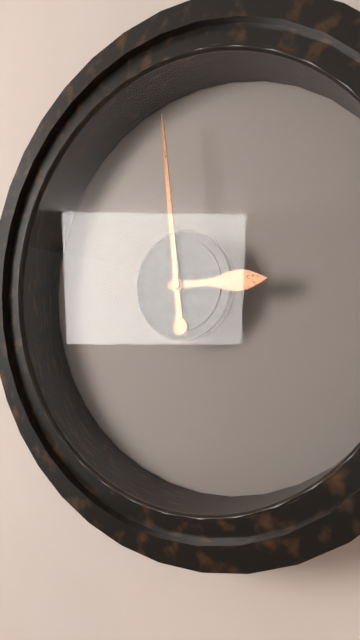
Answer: 2,59
